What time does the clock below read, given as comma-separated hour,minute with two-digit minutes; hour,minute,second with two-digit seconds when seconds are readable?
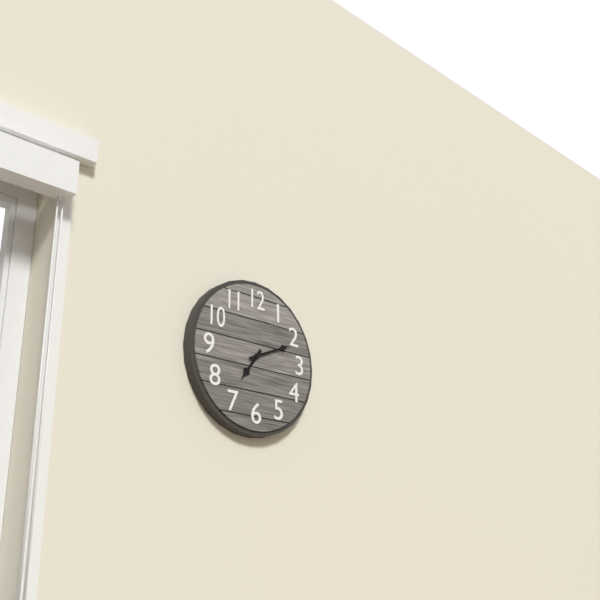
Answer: 7,11
